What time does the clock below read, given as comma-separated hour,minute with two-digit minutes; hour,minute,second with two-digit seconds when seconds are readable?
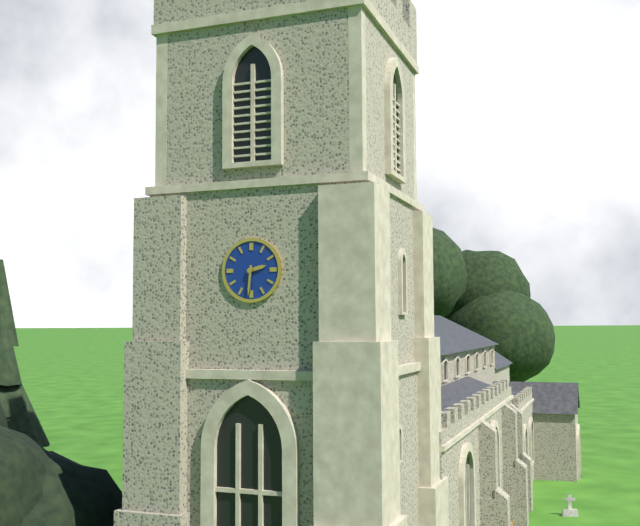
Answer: 2,31
